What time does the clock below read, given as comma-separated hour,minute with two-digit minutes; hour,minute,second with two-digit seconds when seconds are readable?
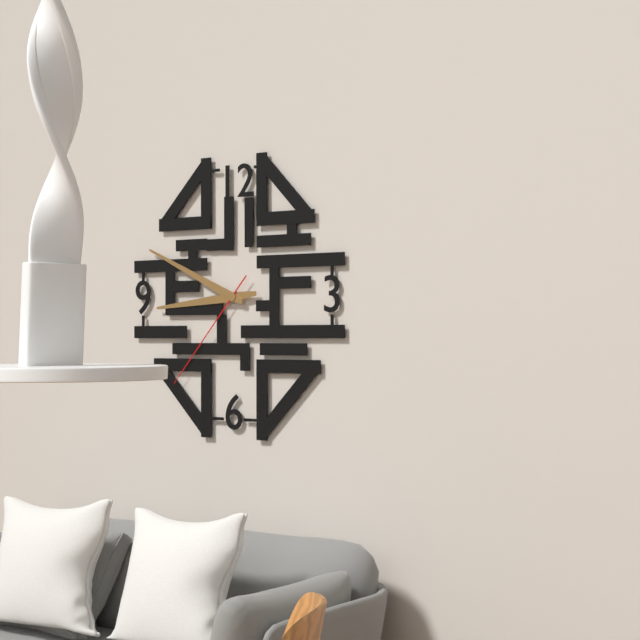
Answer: 8,49,37
